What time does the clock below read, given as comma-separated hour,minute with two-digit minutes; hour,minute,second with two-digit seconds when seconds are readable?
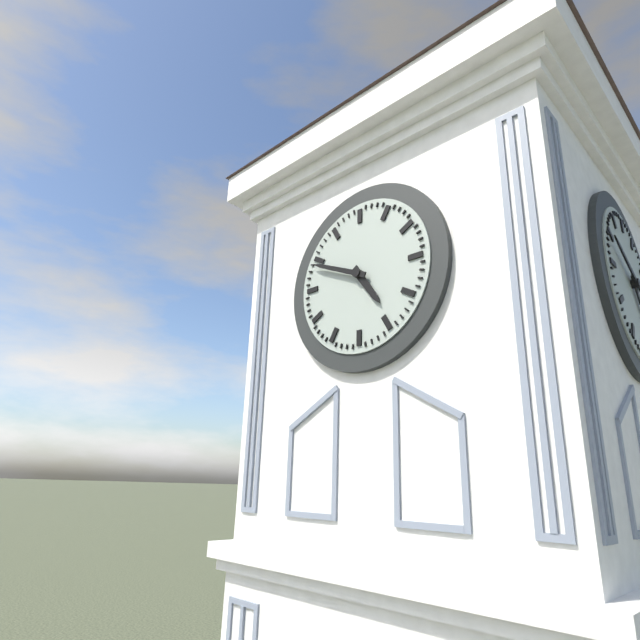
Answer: 4,49
